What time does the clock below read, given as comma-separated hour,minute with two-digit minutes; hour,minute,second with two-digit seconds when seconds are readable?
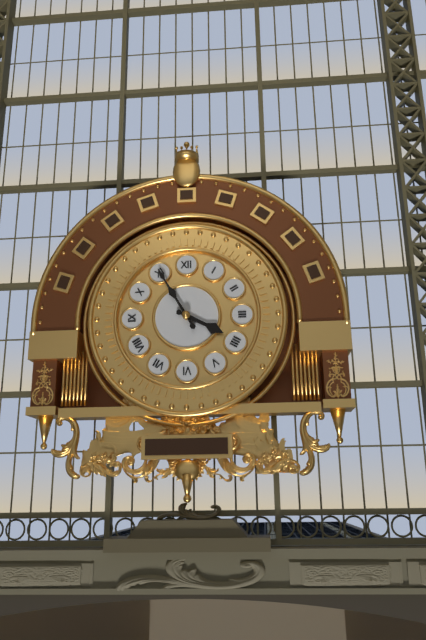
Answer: 3,55
